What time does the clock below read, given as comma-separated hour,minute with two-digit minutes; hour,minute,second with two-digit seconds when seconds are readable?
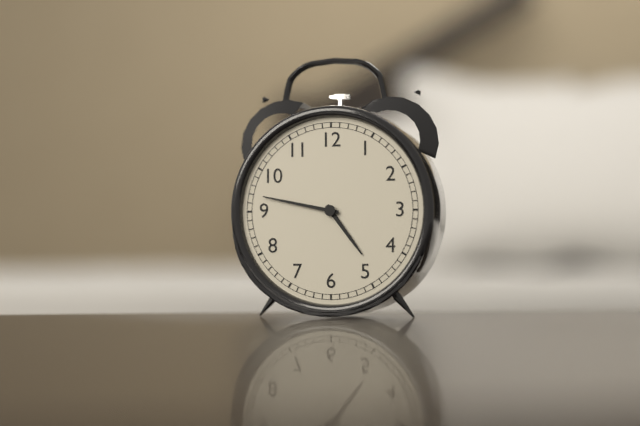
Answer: 4,47
